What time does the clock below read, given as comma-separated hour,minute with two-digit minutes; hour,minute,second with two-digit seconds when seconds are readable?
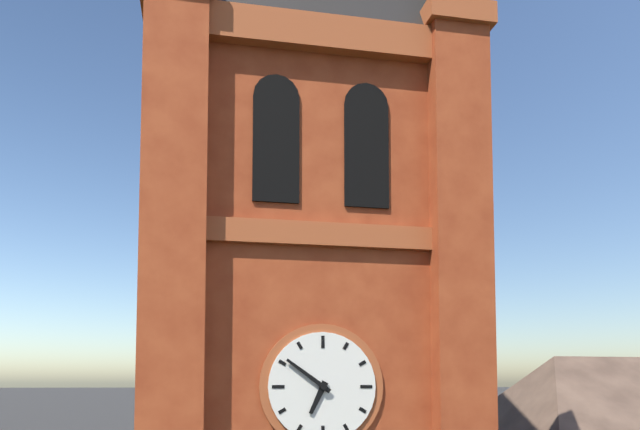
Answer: 6,51
